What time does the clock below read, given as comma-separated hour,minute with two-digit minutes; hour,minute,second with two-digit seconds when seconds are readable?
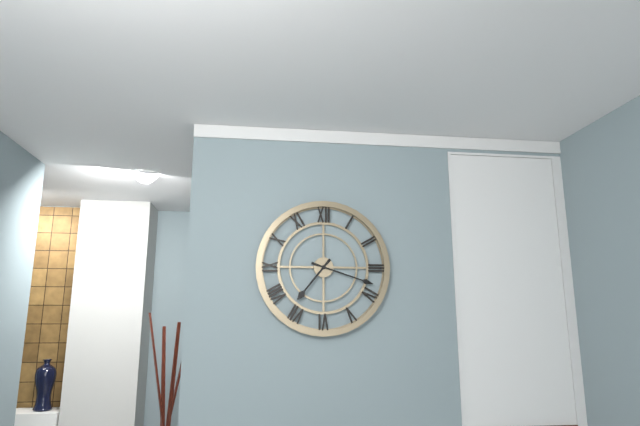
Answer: 7,18
